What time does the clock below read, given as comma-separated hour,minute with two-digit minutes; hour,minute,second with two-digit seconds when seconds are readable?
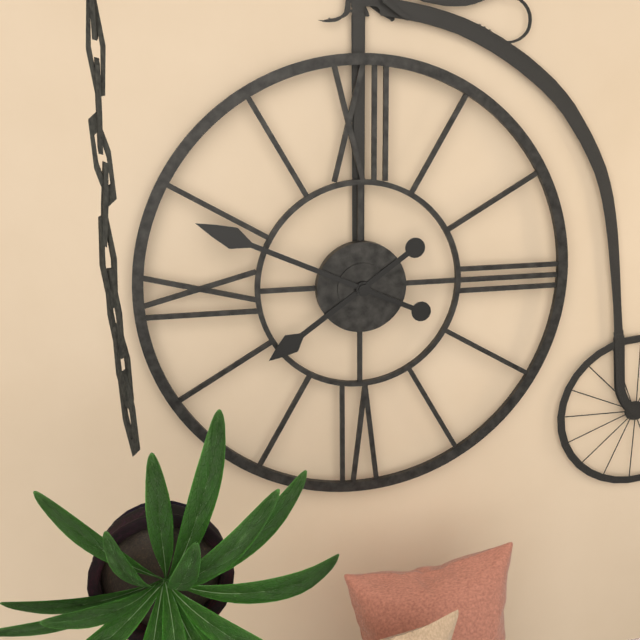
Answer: 7,49
